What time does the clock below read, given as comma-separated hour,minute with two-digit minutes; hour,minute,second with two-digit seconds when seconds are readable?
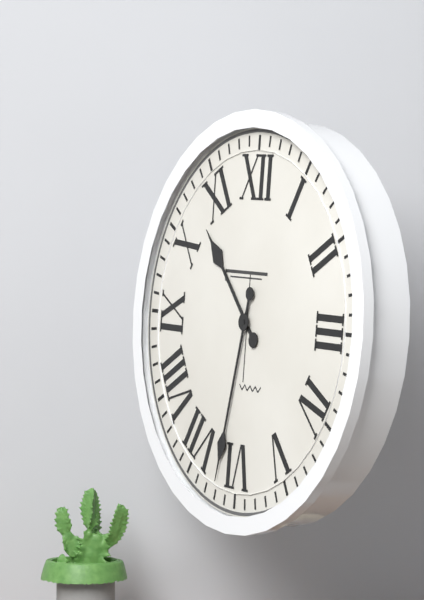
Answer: 10,32
